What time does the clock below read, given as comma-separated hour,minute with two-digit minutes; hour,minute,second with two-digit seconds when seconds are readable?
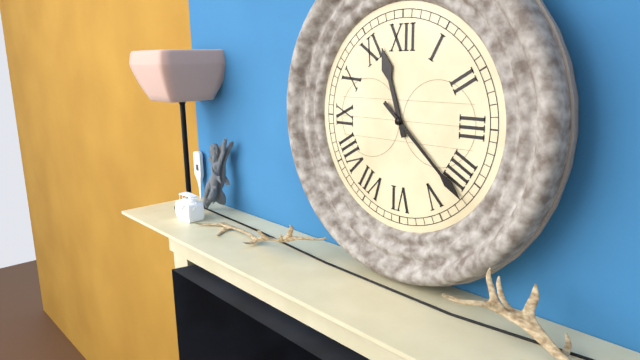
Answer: 11,22
